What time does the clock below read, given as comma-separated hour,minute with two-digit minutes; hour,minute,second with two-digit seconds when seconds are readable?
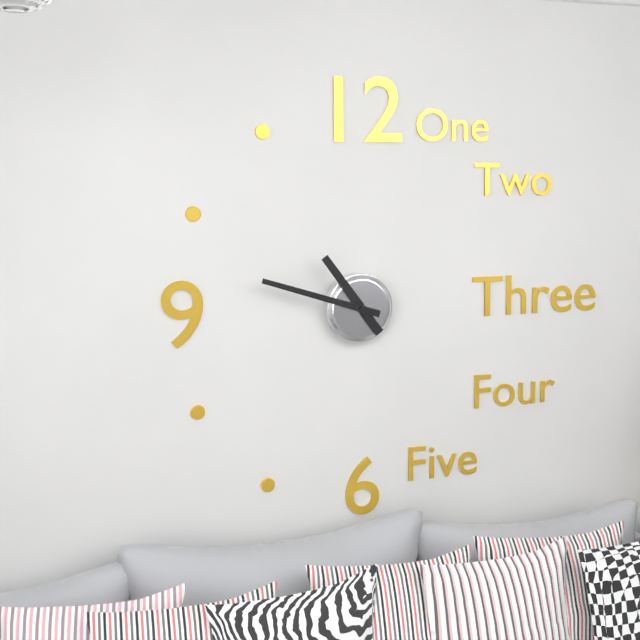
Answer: 10,48
